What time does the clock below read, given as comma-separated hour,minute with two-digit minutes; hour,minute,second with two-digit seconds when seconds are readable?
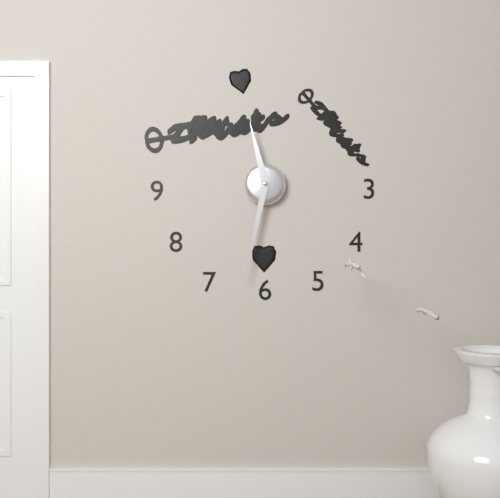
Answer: 11,32
